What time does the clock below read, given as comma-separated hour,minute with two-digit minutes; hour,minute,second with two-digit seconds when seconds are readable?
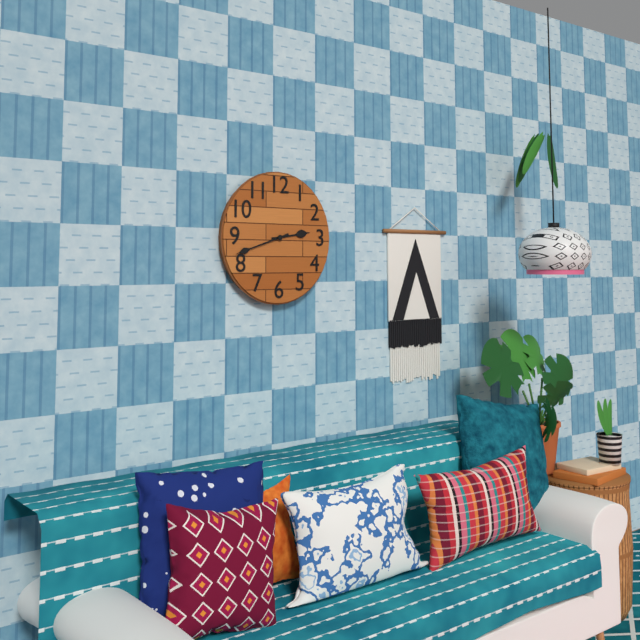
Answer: 2,42
